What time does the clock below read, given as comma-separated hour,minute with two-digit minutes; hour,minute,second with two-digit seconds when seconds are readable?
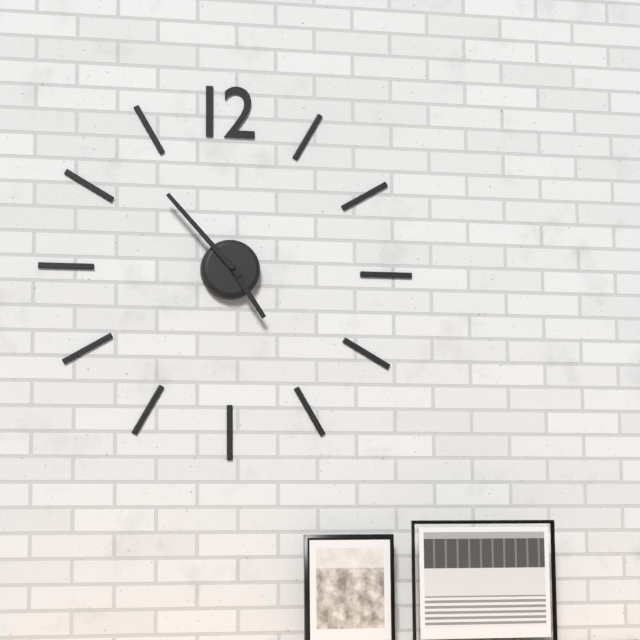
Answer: 4,53
